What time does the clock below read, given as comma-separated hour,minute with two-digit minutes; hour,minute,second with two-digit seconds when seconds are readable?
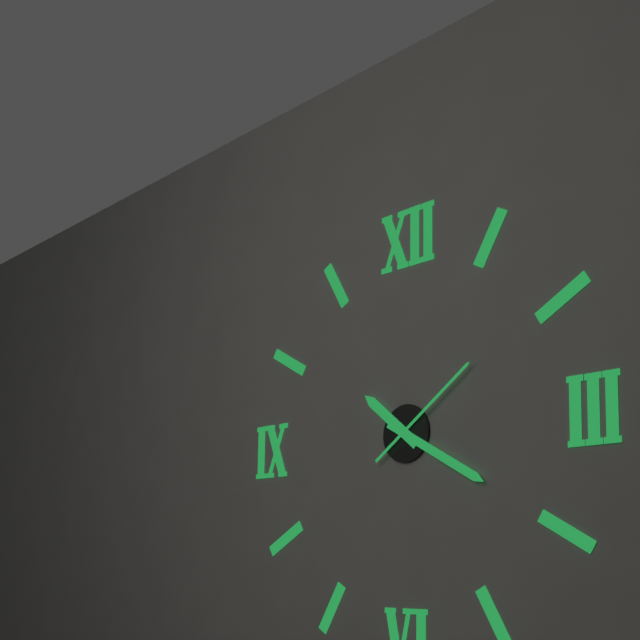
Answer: 10,20,09
